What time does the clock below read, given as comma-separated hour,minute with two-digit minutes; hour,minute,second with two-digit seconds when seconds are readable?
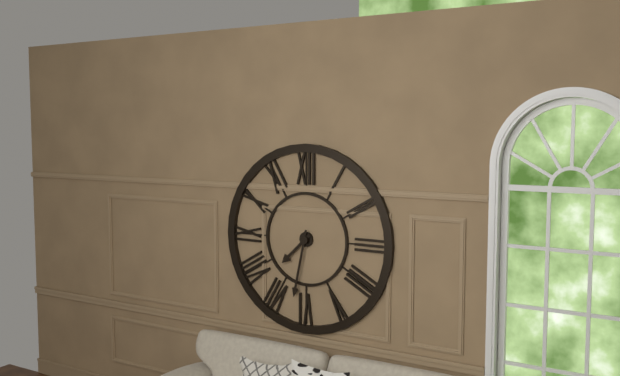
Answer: 7,32
